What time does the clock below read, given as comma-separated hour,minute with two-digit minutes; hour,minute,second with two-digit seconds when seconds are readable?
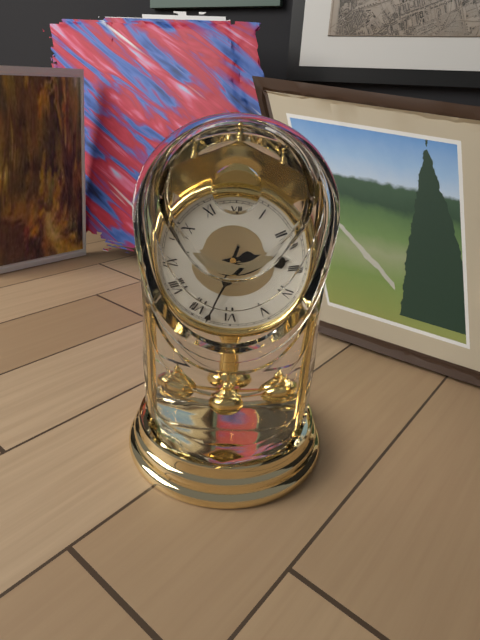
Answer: 2,33
